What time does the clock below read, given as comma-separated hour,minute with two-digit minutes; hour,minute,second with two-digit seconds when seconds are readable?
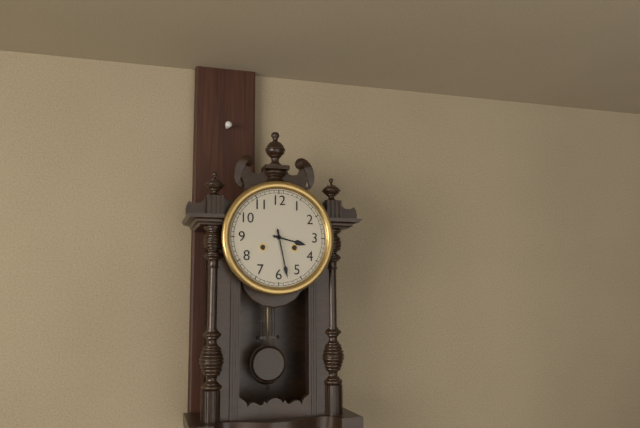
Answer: 3,28
